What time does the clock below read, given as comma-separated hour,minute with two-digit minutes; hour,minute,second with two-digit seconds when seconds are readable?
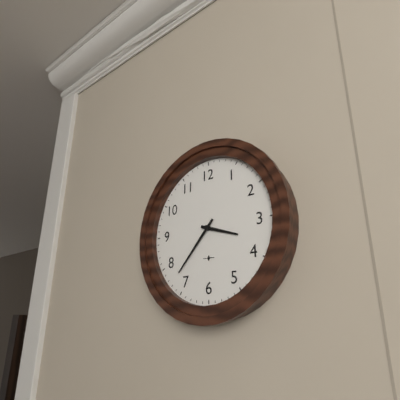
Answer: 3,37
